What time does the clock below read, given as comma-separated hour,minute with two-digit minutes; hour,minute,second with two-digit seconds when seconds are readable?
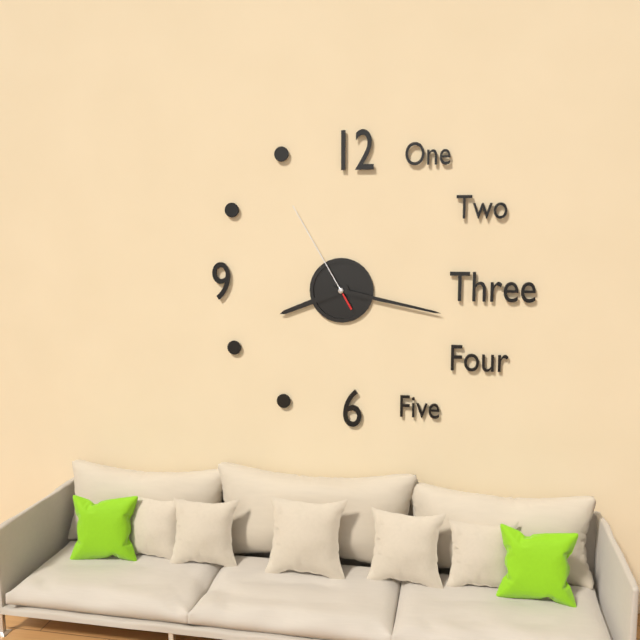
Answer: 8,17,55
